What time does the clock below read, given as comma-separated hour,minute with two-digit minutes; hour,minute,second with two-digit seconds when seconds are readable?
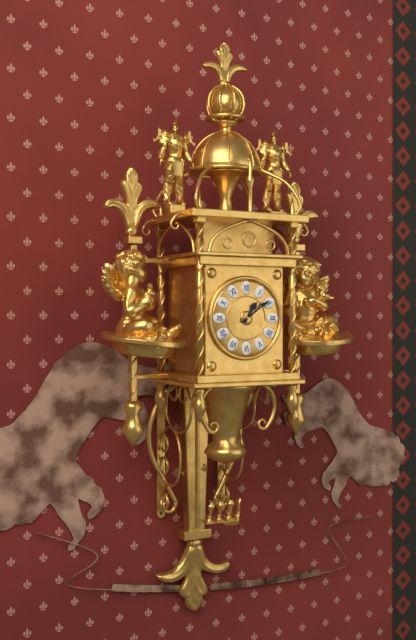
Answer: 1,09
